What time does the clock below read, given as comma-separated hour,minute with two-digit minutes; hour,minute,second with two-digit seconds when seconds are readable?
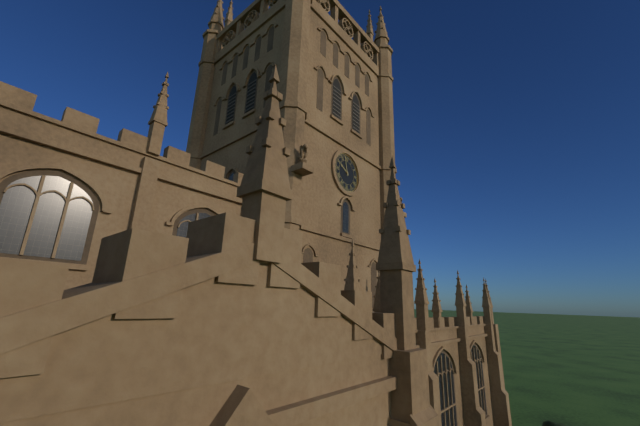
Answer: 9,58
